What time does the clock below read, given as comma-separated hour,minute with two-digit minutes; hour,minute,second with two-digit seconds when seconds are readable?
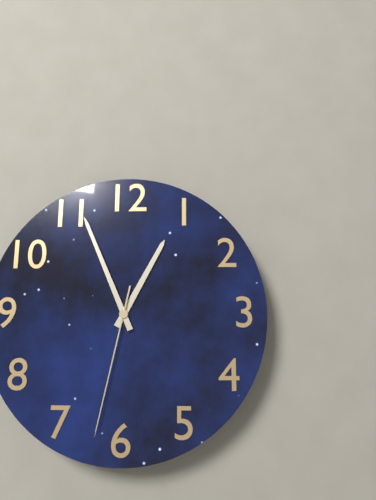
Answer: 12,56,32
